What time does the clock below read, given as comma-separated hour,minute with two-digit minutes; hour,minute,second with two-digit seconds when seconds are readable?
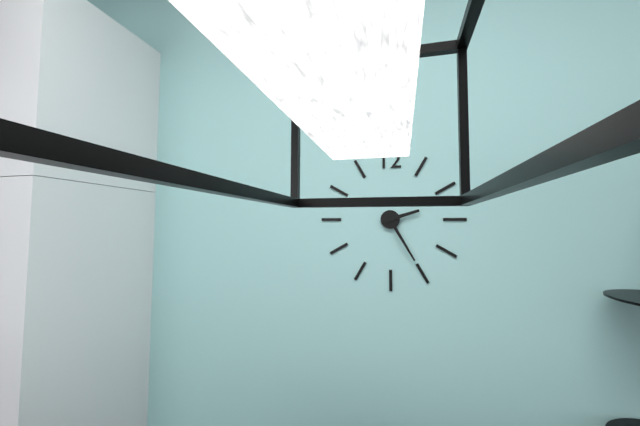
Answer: 2,25
